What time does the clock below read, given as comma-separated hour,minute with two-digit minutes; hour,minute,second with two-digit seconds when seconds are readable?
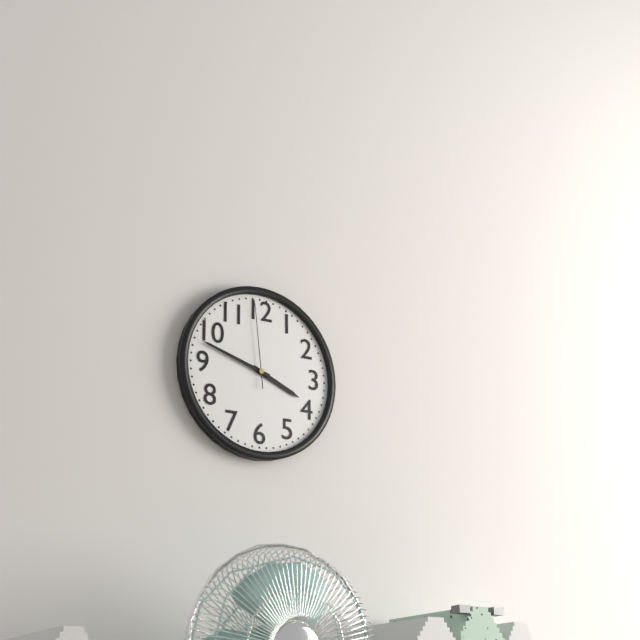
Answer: 3,48,59
